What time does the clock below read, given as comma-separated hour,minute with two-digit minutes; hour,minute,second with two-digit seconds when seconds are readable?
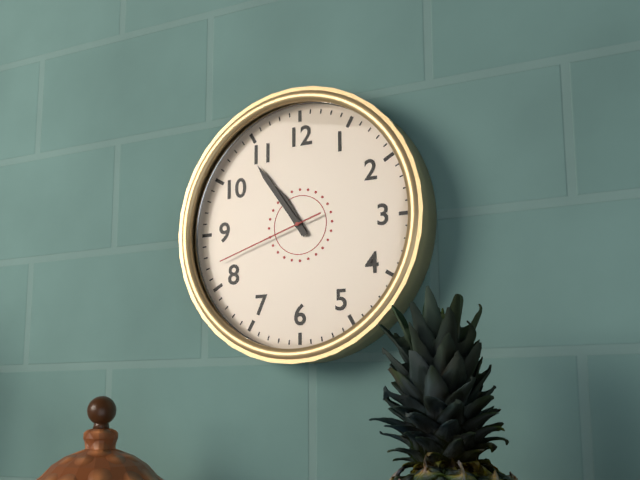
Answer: 10,54,42
